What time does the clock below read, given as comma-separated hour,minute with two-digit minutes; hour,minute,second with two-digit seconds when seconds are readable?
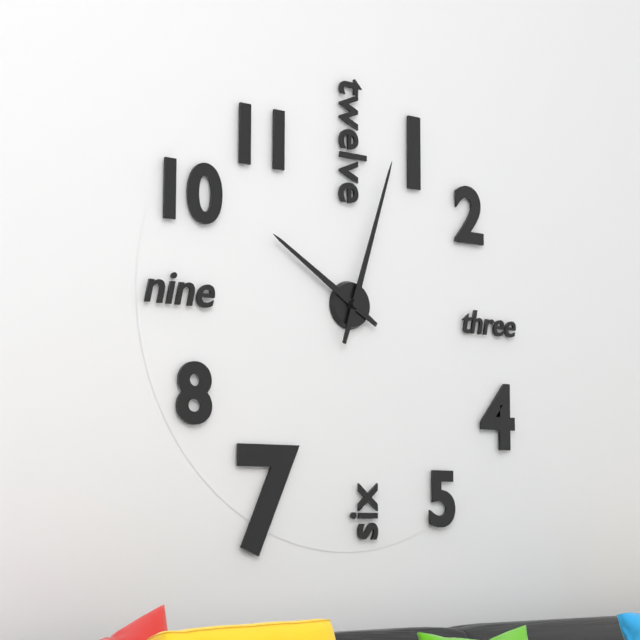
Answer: 10,03
